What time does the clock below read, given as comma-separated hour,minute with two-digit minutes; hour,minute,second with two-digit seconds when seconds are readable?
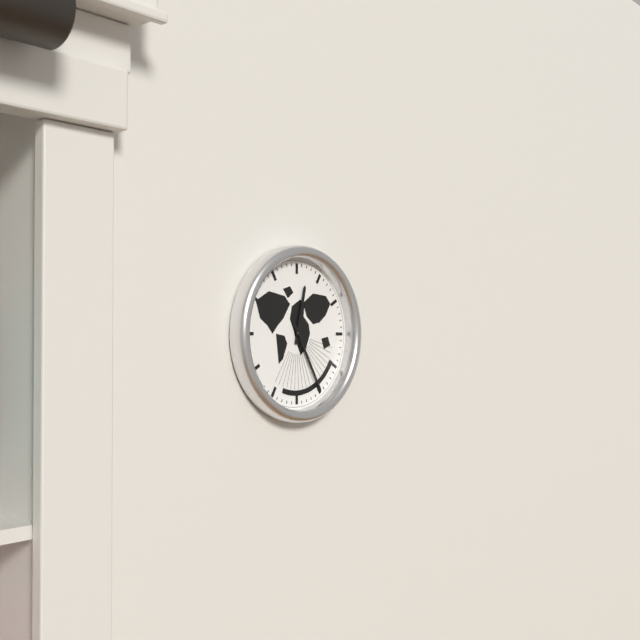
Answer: 12,25
